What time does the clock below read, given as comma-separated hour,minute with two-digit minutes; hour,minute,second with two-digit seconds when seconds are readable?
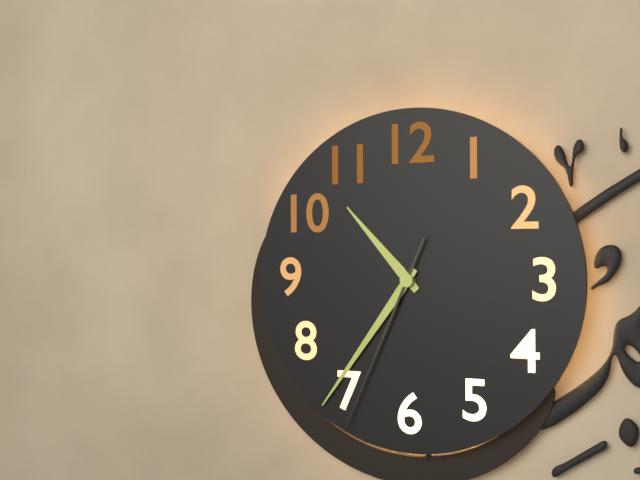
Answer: 10,36,34
